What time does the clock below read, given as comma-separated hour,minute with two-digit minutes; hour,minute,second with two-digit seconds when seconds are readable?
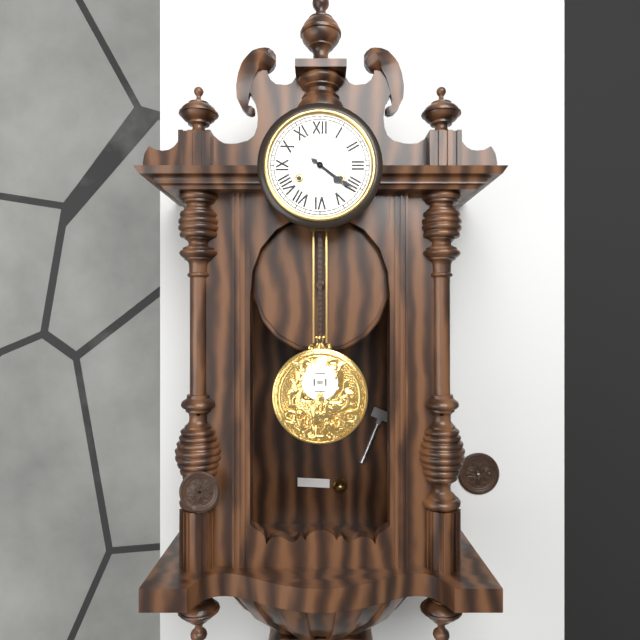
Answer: 4,21
